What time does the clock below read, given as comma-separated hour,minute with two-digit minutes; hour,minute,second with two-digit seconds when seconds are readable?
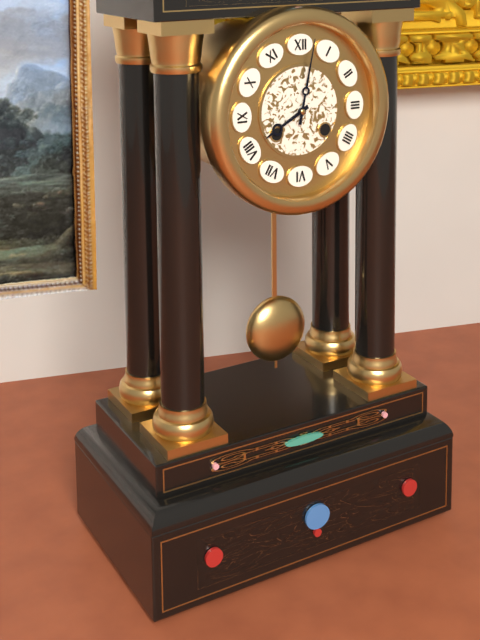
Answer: 8,02
